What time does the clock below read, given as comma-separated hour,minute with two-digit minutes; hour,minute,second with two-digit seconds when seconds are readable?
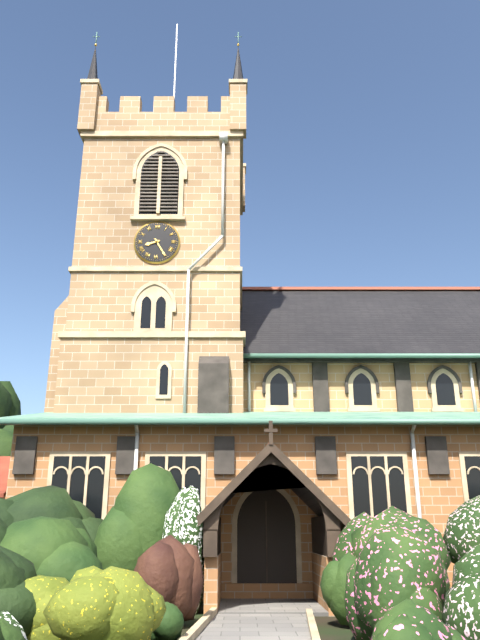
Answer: 8,25
